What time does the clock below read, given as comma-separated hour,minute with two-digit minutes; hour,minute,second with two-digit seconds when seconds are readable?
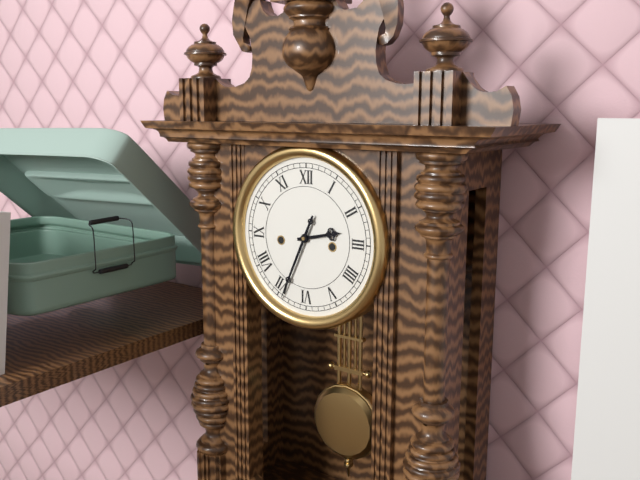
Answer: 2,34
